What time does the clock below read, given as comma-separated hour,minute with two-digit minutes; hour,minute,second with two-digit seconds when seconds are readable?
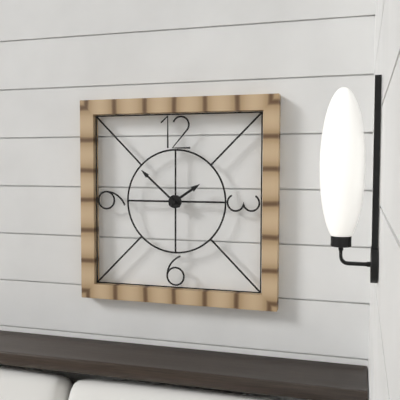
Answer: 1,52
